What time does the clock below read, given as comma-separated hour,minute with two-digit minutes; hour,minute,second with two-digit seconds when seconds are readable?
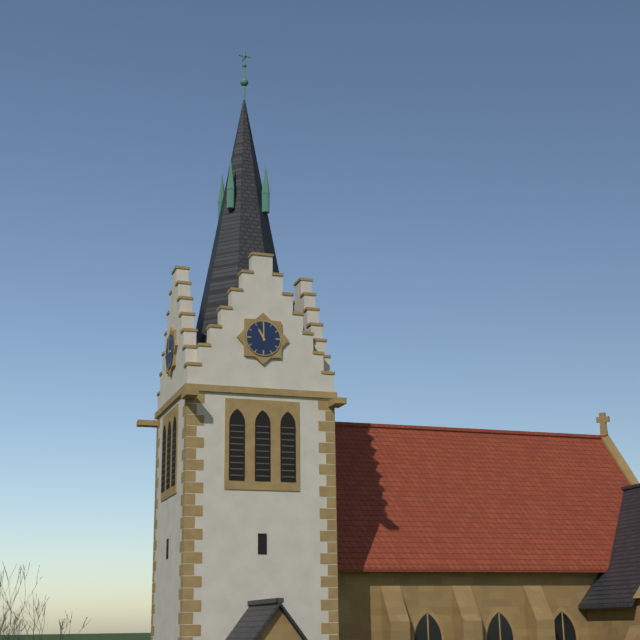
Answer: 11,00
